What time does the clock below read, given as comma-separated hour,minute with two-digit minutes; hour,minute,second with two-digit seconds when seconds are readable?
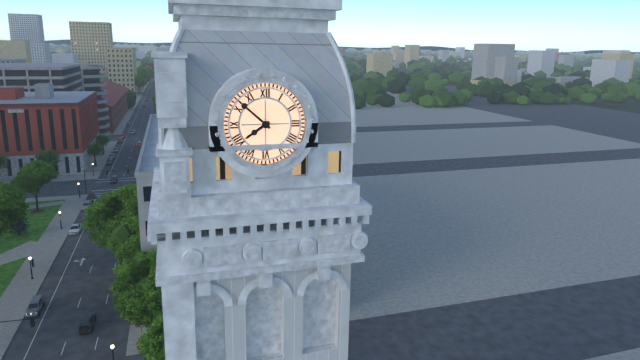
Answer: 7,52
